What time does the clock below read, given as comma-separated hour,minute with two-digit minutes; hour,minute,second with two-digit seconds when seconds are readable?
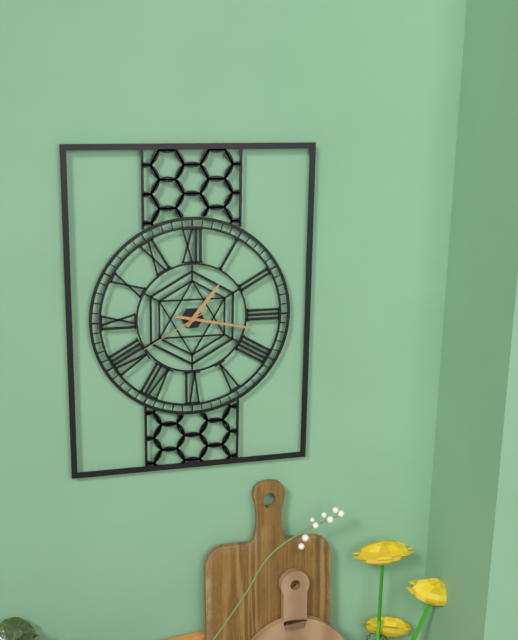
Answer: 1,17,40
